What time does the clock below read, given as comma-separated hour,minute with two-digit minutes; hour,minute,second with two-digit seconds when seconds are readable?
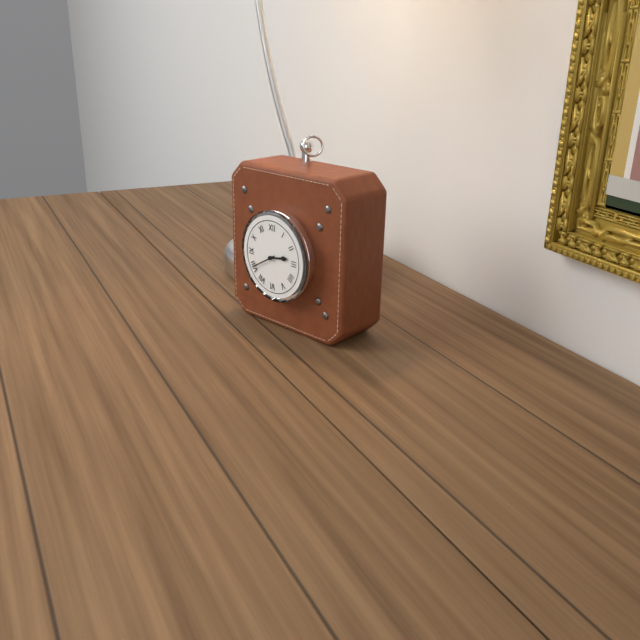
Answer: 2,40
